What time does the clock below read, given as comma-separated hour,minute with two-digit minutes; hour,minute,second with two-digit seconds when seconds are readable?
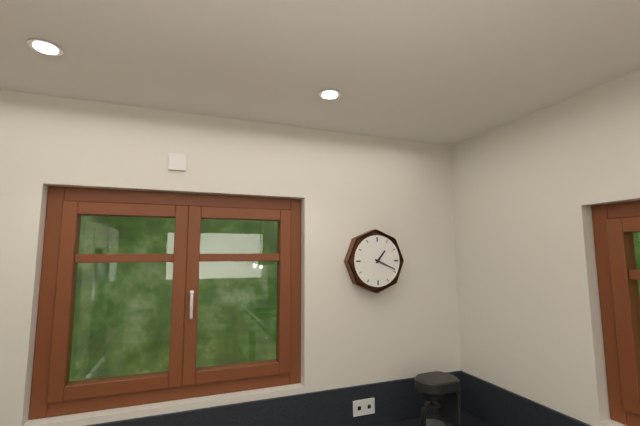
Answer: 1,19
